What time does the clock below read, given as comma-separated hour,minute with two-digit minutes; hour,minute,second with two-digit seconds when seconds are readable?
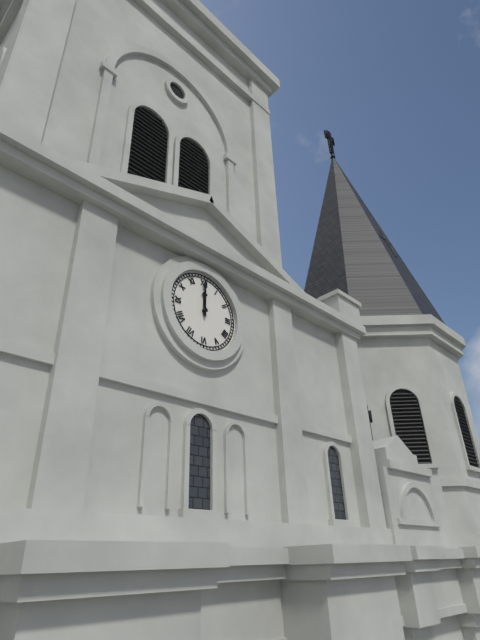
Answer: 12,00
